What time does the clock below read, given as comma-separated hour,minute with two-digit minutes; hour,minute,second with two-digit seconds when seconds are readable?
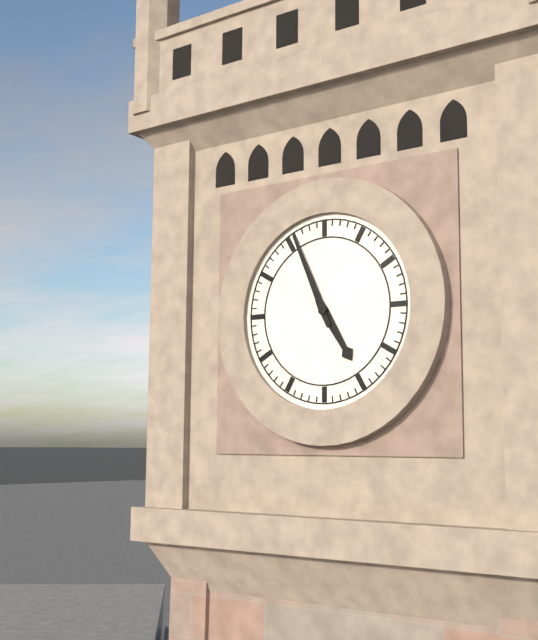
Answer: 4,56
